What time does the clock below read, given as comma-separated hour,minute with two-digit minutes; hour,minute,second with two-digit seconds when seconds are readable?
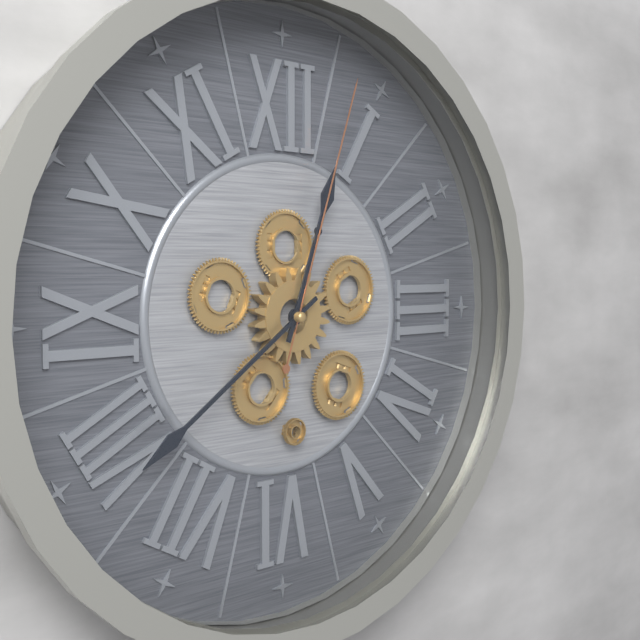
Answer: 12,39,03
